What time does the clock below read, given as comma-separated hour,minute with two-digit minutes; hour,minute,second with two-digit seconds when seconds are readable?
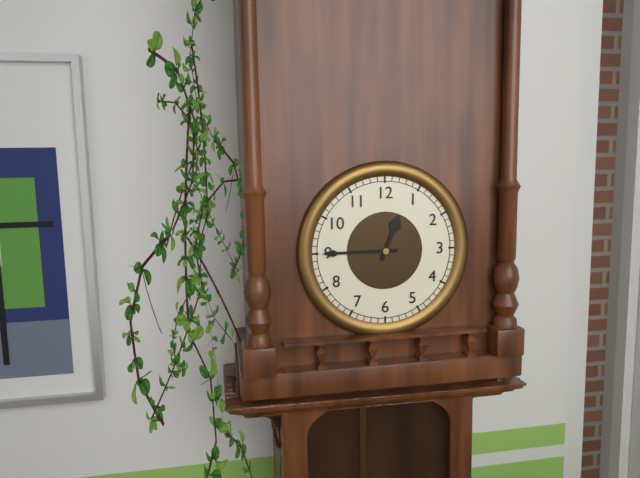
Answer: 12,45
